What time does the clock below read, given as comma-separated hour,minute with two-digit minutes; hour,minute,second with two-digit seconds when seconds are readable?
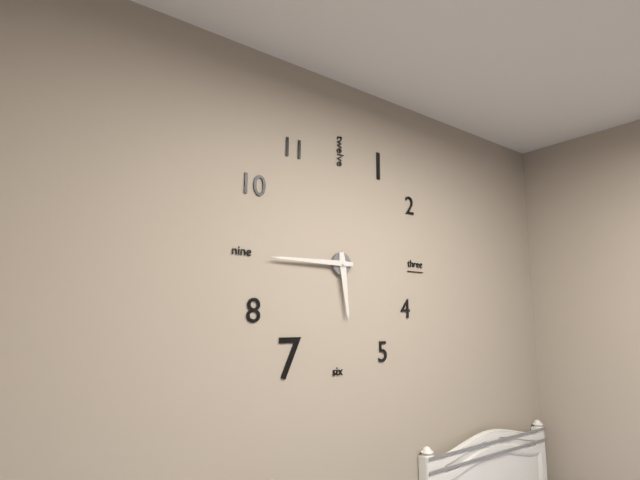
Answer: 5,45
